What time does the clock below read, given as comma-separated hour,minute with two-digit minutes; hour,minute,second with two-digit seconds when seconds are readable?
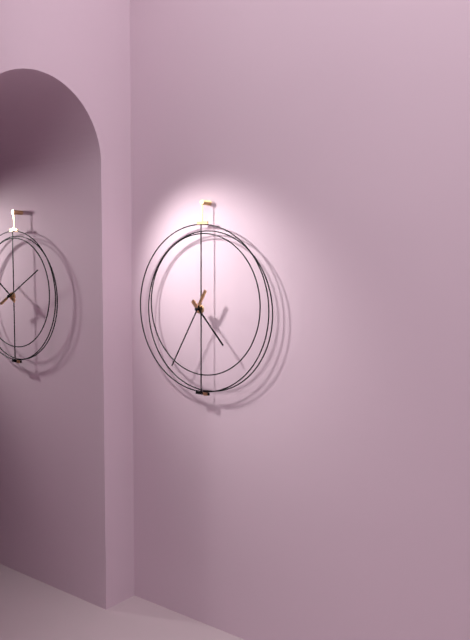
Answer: 4,35
